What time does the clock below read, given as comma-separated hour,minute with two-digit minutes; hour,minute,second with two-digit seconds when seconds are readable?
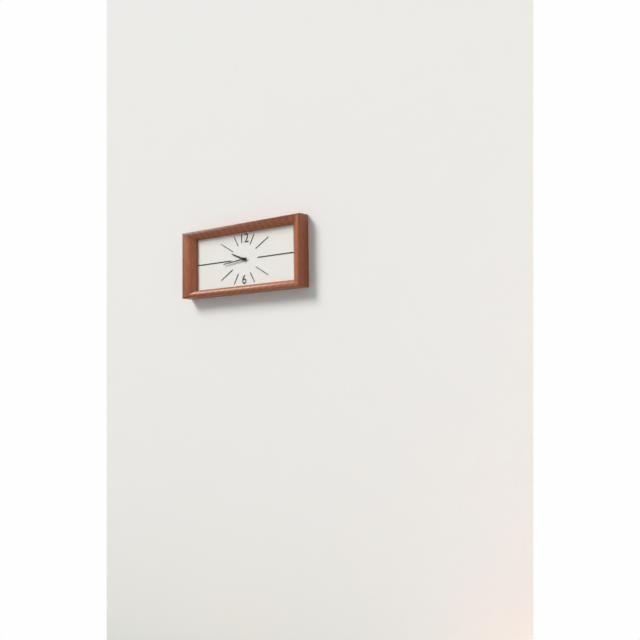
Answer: 9,44
